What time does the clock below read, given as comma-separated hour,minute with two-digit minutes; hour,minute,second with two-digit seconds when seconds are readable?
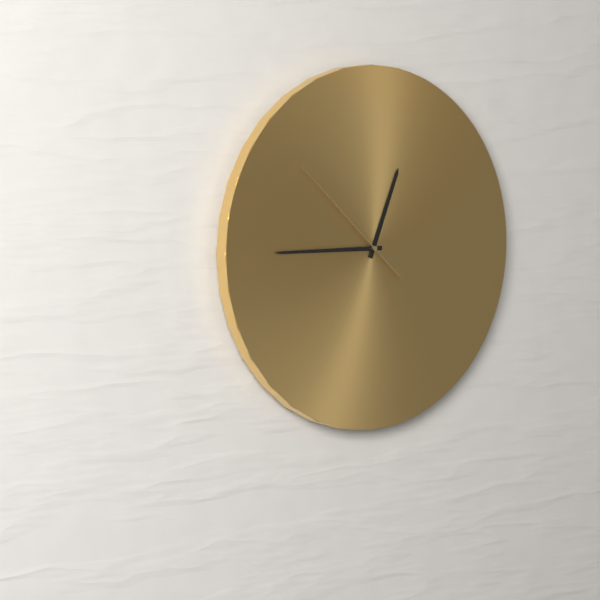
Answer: 12,45,52
